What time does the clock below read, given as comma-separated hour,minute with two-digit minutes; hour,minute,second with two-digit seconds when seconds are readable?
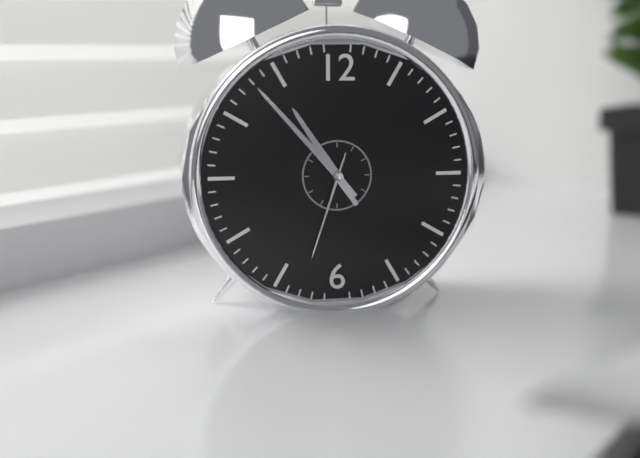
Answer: 10,53,33
